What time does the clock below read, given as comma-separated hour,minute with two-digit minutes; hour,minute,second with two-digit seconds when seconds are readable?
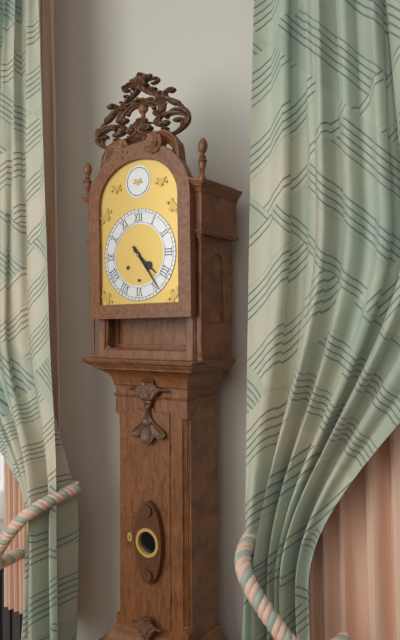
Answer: 4,24
